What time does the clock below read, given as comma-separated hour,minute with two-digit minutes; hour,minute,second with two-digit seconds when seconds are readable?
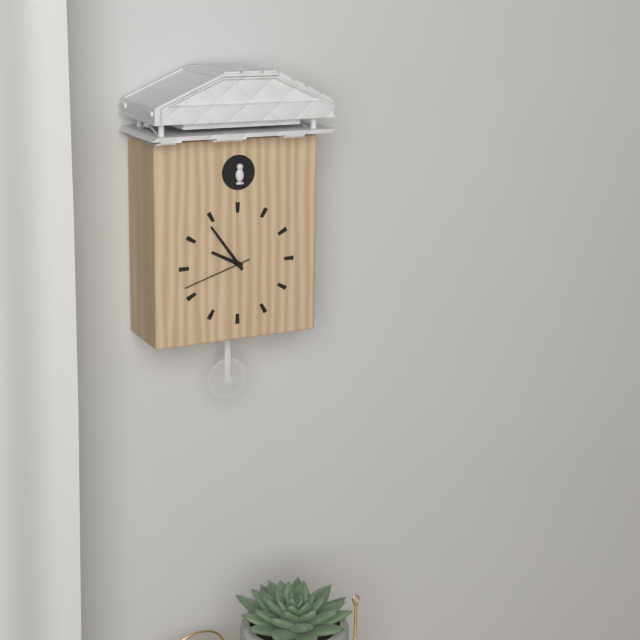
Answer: 9,54,42
